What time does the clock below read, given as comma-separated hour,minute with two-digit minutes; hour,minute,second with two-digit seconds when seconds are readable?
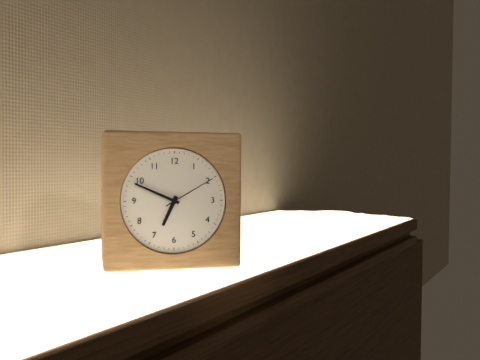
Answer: 6,49,10
